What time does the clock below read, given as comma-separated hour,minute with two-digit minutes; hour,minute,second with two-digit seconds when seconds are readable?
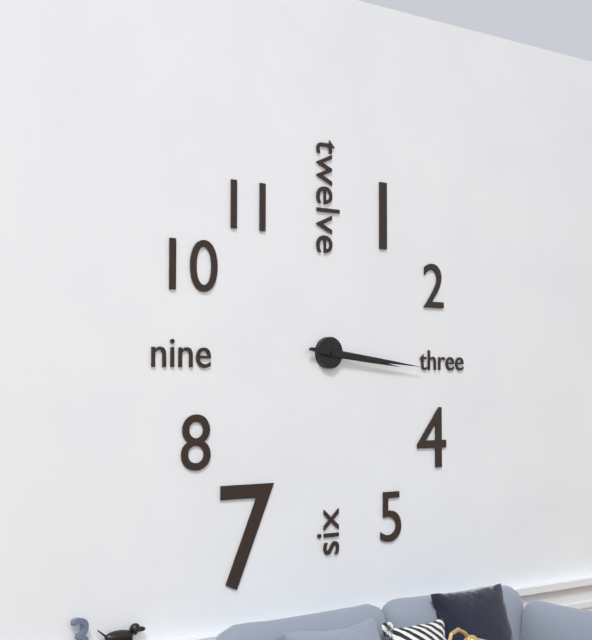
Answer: 3,16
